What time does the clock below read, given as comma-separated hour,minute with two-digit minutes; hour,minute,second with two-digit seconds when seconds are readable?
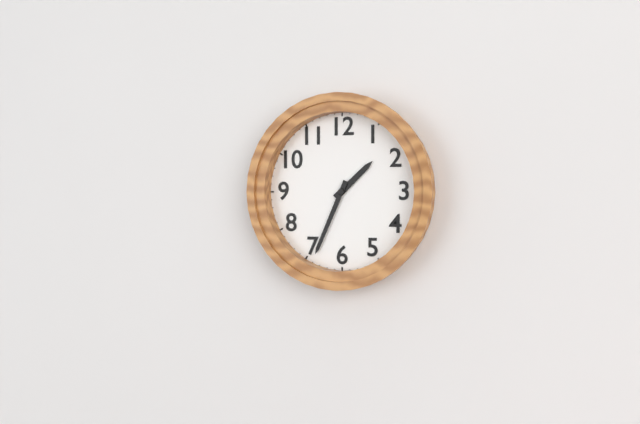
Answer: 1,34
